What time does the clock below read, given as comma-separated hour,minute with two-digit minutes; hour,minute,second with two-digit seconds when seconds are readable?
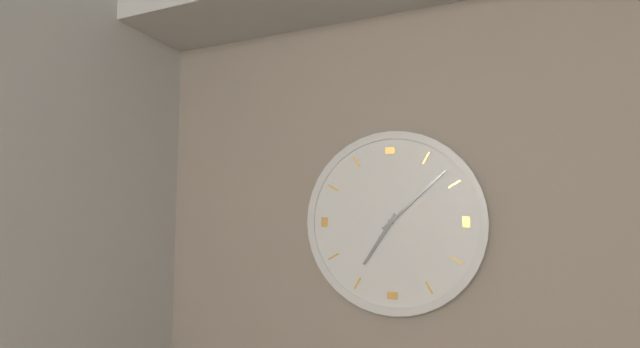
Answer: 7,08
